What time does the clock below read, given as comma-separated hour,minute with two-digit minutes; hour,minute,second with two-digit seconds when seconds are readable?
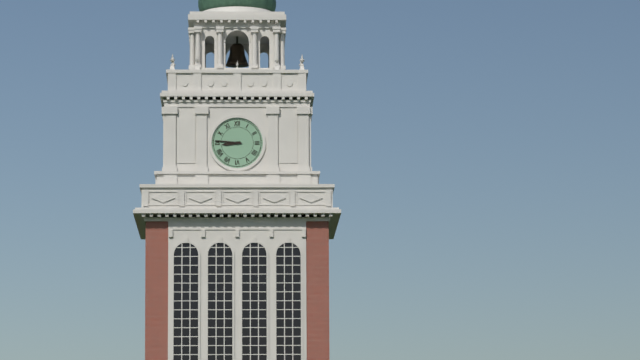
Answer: 8,46
